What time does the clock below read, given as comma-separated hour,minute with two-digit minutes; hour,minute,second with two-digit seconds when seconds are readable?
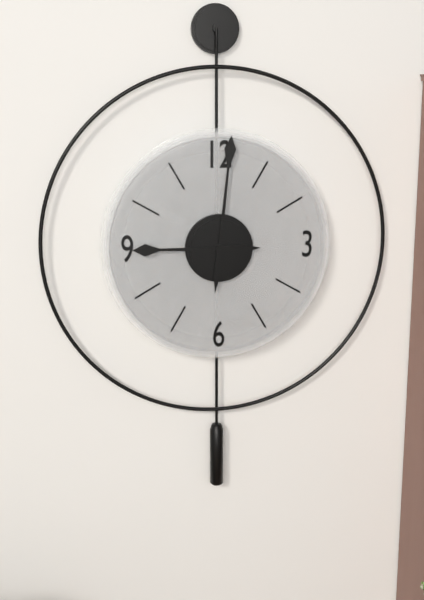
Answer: 9,01
